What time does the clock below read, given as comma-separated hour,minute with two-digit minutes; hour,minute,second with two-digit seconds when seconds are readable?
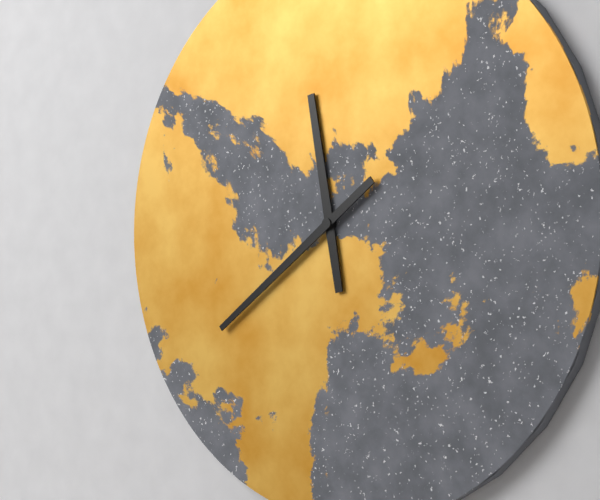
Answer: 11,39
